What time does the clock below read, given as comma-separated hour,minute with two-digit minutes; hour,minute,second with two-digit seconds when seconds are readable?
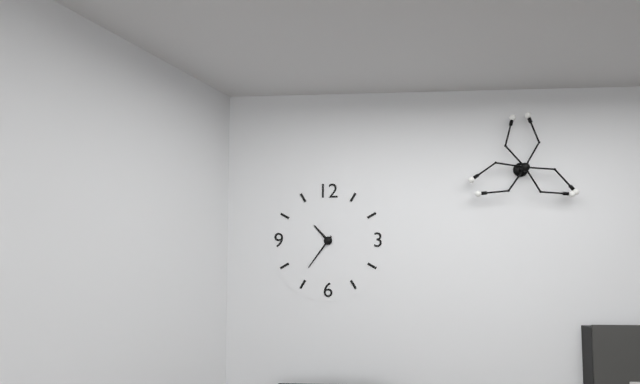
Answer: 10,36
